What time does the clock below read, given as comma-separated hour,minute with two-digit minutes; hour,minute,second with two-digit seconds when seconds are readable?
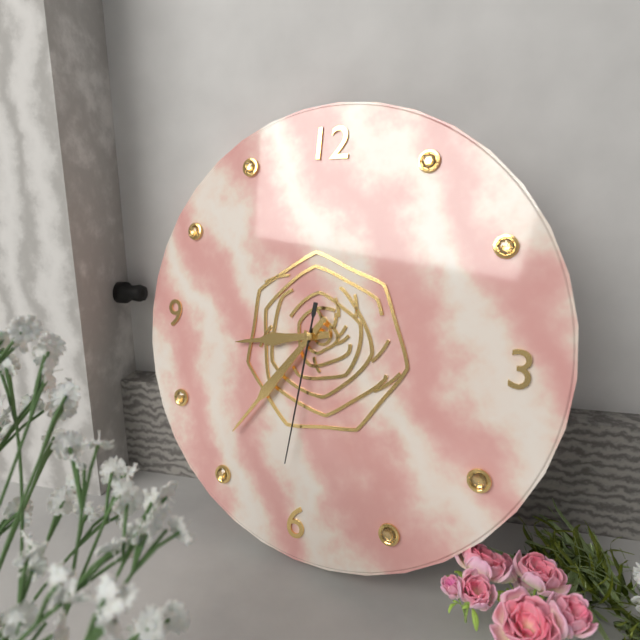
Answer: 8,36,31
